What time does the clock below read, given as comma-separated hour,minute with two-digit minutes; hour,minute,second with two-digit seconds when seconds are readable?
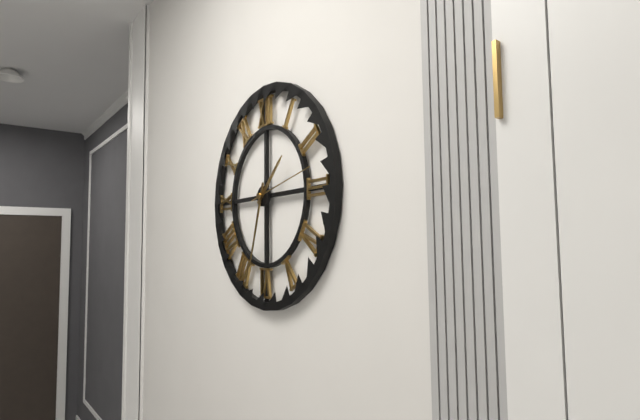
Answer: 1,33,13
